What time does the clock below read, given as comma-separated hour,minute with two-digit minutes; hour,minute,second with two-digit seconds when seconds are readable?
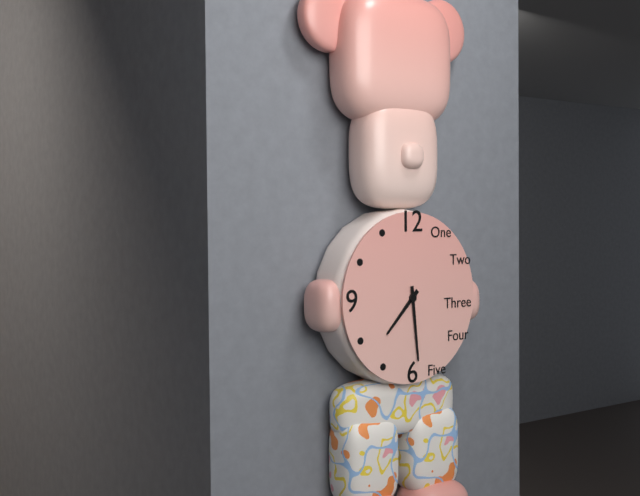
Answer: 7,29
